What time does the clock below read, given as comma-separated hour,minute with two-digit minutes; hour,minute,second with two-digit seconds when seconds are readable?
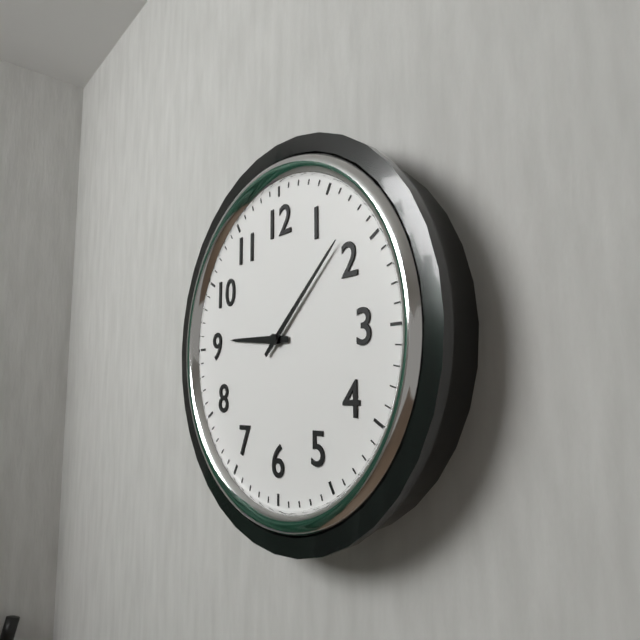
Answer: 9,08
